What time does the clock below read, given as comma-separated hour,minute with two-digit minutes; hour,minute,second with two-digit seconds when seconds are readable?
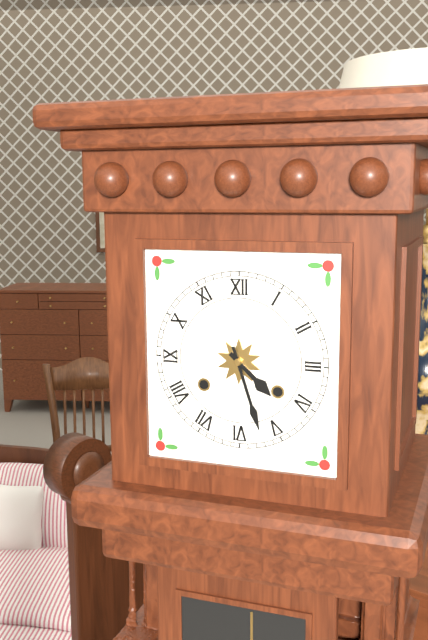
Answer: 4,27
